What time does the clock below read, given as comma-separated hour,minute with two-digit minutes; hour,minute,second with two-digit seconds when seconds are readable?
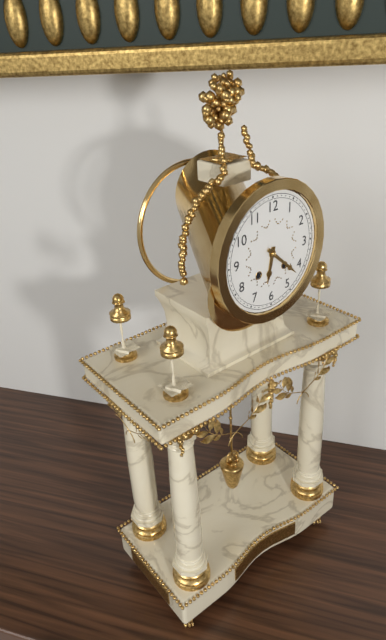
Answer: 6,22
